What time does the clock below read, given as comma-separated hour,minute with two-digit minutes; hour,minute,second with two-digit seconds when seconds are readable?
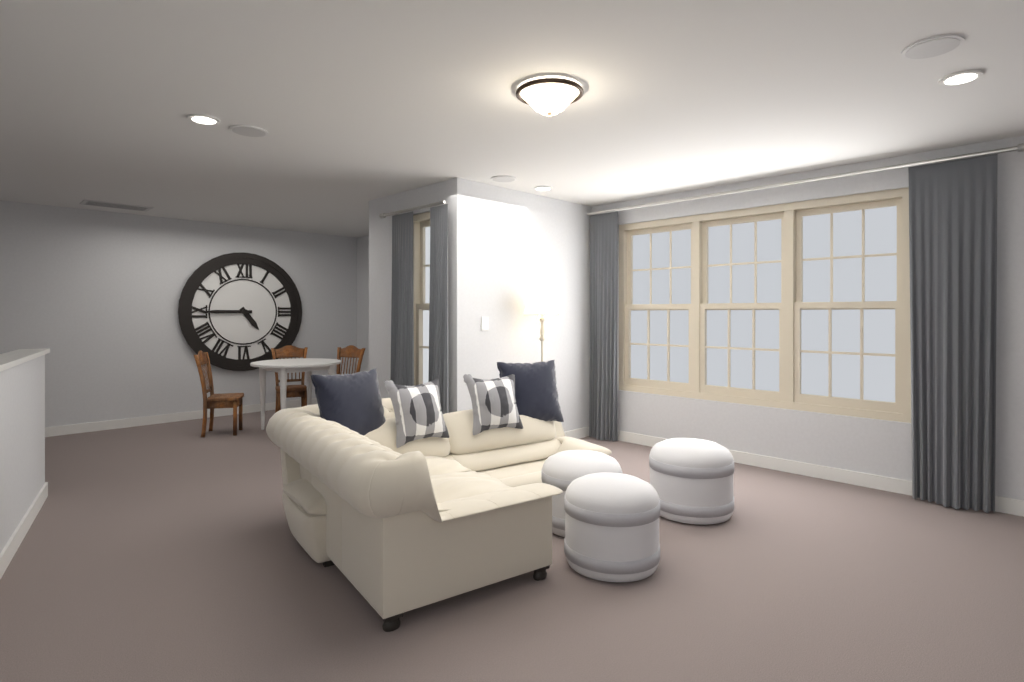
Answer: 4,45
